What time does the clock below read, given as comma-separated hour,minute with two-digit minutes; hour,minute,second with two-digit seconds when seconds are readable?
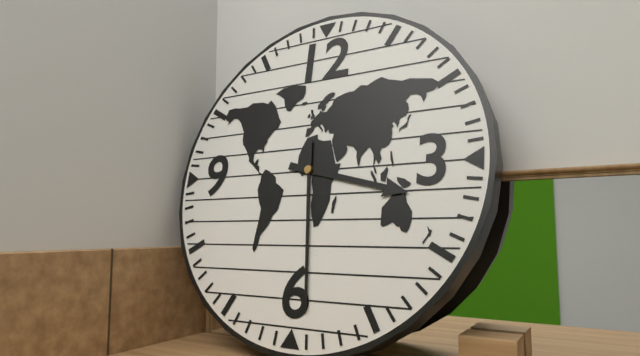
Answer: 3,29
